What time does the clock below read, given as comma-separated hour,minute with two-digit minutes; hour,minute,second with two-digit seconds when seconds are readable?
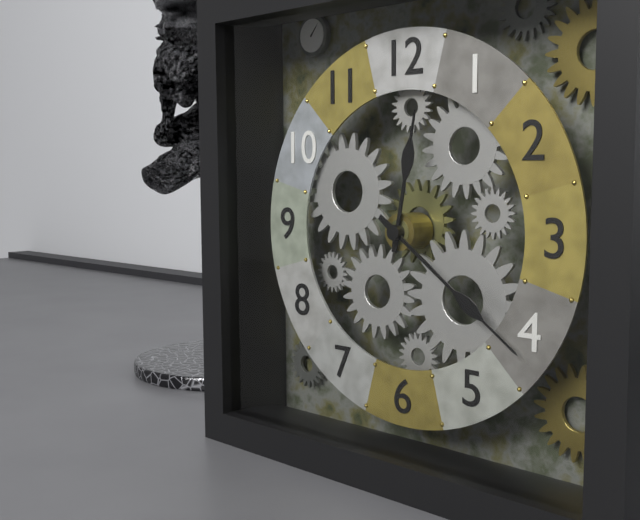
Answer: 12,21
